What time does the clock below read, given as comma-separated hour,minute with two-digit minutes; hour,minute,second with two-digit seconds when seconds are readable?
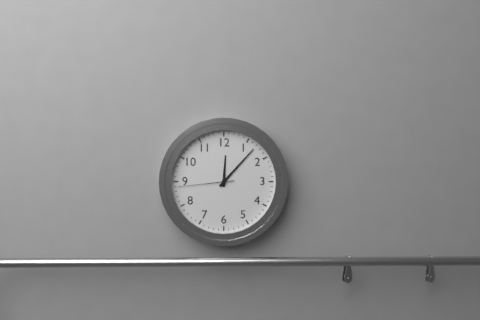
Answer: 12,07,44
